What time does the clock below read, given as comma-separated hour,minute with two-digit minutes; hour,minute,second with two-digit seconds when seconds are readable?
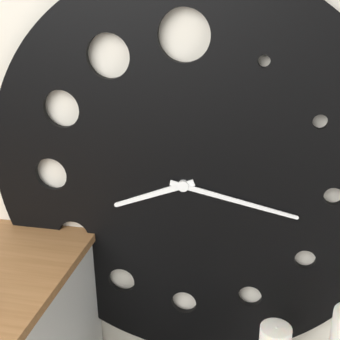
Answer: 8,17
